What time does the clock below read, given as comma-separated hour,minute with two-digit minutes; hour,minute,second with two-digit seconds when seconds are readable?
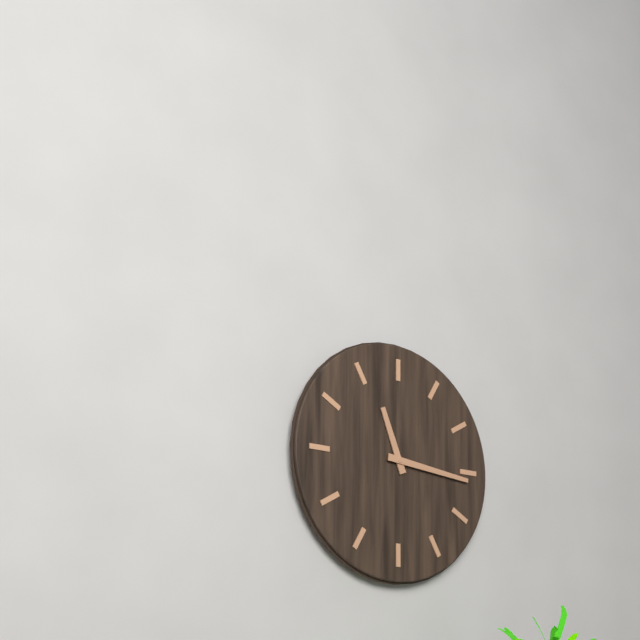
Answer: 11,16
